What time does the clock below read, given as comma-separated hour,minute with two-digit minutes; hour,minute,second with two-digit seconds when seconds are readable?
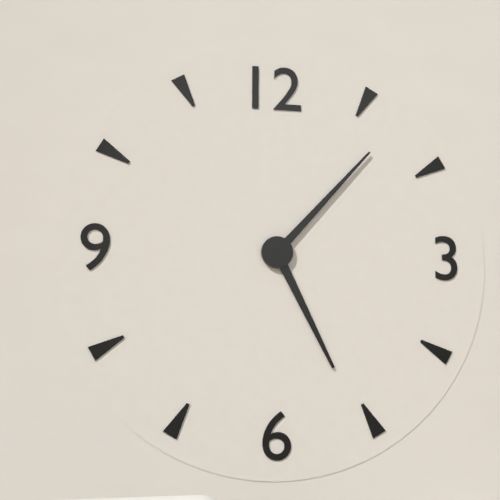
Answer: 5,07
